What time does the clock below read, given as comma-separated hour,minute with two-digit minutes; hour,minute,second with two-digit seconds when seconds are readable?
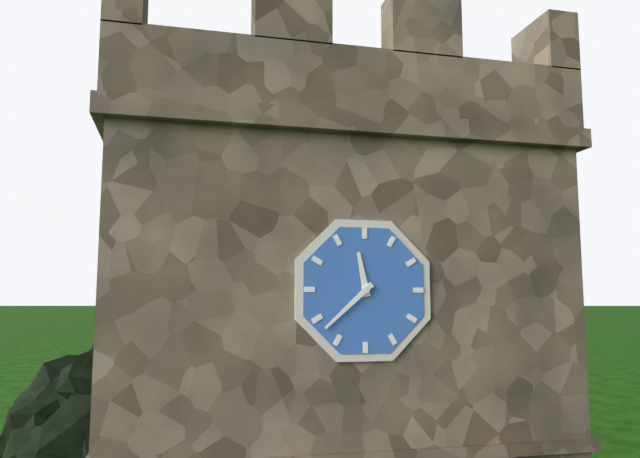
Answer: 11,38
